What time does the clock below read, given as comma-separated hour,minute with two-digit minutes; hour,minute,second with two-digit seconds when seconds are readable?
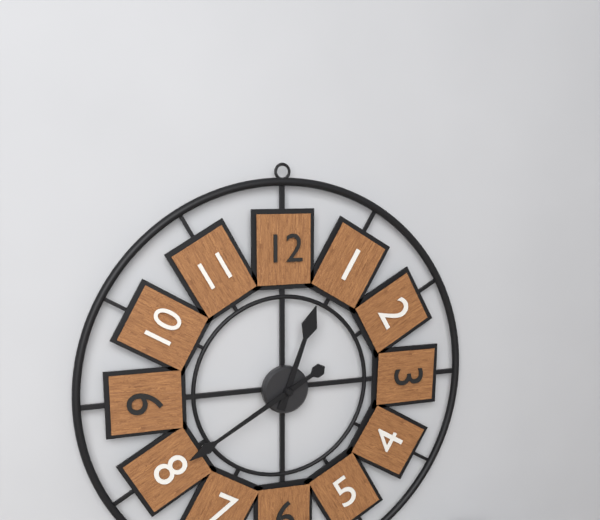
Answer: 12,40
